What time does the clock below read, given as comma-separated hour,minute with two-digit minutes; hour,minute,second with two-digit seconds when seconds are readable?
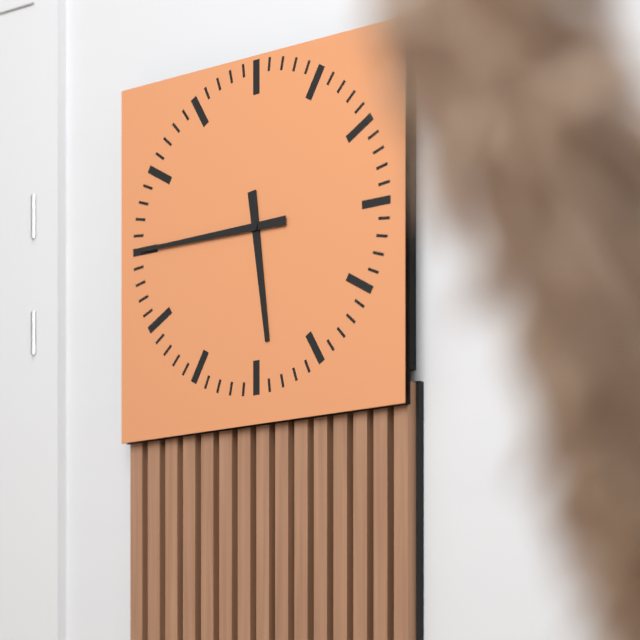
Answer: 5,45
